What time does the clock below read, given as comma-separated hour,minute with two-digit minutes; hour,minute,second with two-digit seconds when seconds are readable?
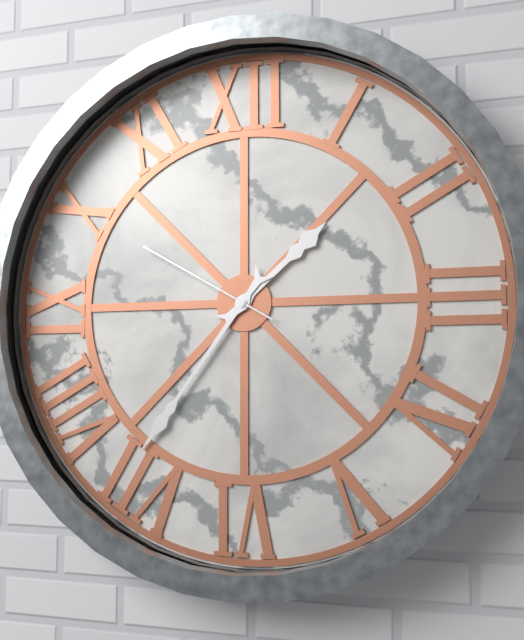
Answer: 1,36,50
